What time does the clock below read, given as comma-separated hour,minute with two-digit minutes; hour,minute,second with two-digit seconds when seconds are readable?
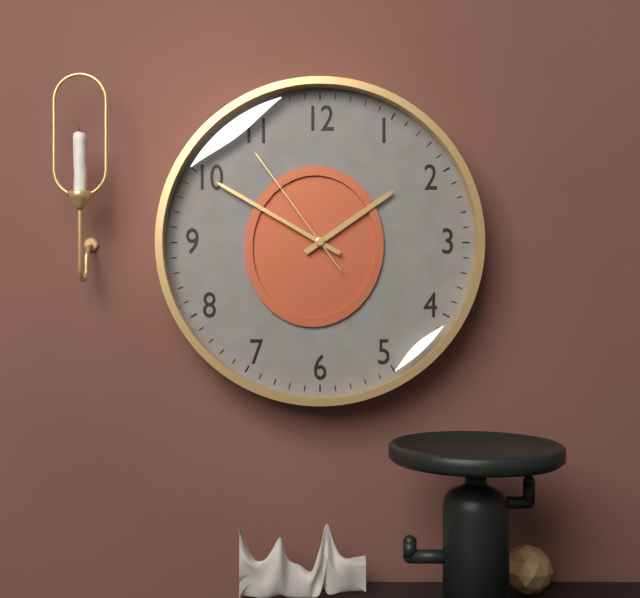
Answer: 1,50,54
